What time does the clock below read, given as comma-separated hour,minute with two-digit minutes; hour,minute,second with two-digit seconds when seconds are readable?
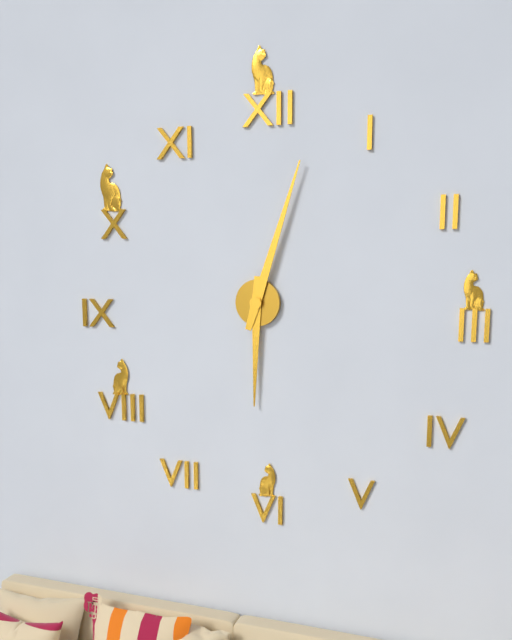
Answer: 6,03
